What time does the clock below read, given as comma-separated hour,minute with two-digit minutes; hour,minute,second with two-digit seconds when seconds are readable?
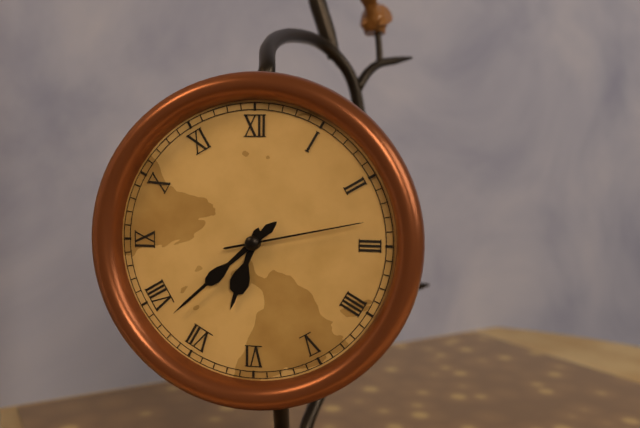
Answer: 6,38,13
